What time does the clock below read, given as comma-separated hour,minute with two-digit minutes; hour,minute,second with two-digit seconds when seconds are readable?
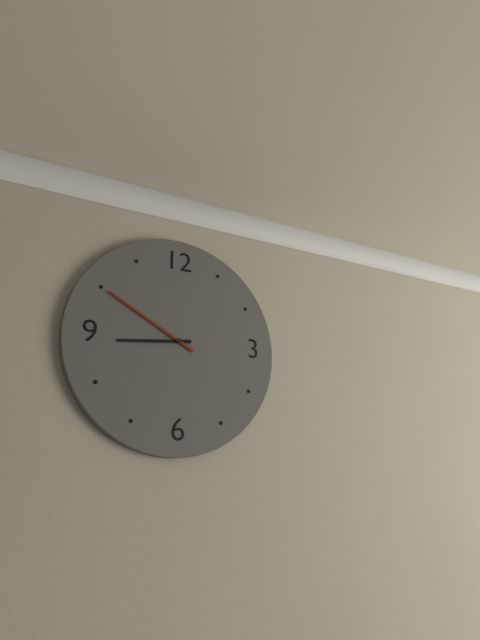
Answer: 8,50
